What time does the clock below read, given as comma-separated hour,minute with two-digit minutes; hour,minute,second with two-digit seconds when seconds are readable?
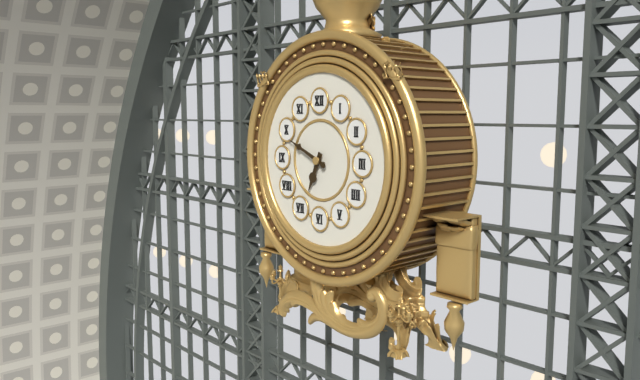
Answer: 6,49
